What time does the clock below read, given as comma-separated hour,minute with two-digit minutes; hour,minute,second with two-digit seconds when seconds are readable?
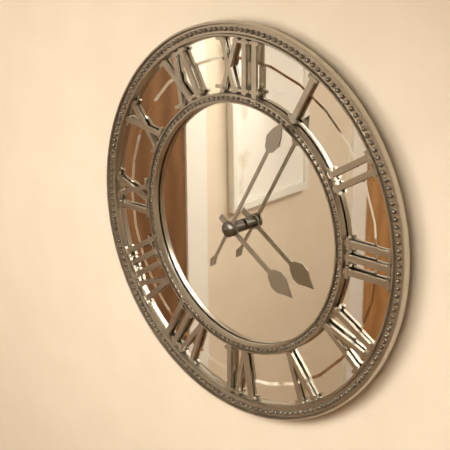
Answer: 4,05
